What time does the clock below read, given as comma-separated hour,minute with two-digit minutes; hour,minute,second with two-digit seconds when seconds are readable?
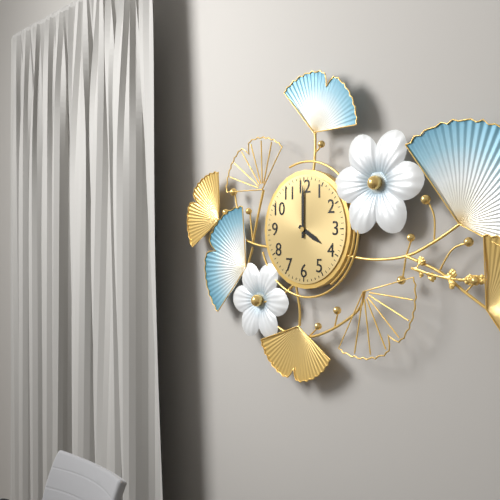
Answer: 4,00
